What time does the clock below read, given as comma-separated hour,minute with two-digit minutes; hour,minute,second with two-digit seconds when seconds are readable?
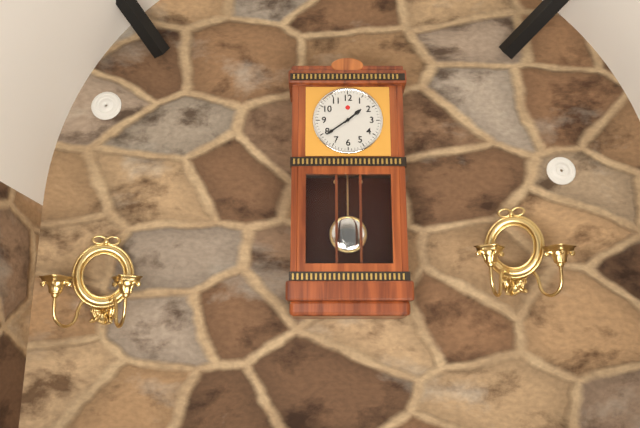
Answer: 1,39
